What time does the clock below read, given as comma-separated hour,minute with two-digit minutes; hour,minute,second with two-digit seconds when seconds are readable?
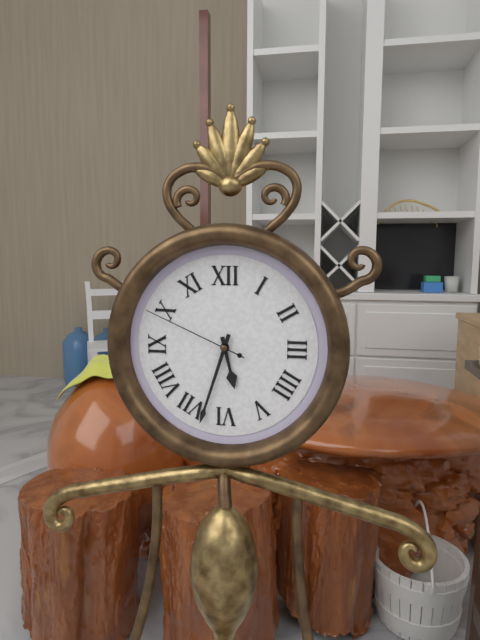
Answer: 5,33,49
